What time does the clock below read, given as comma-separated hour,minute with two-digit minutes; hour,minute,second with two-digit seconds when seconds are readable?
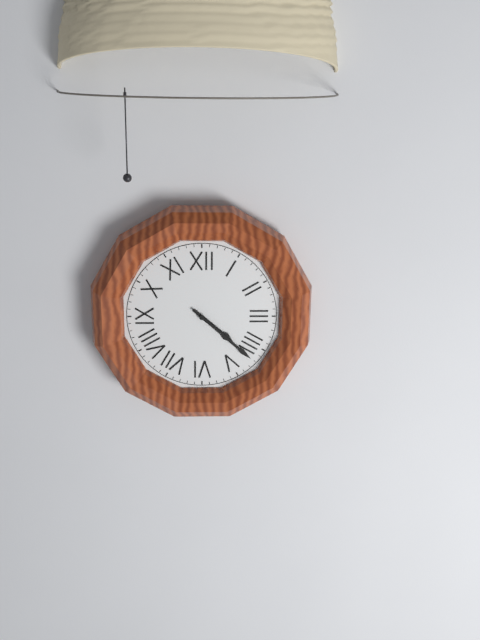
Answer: 4,22
